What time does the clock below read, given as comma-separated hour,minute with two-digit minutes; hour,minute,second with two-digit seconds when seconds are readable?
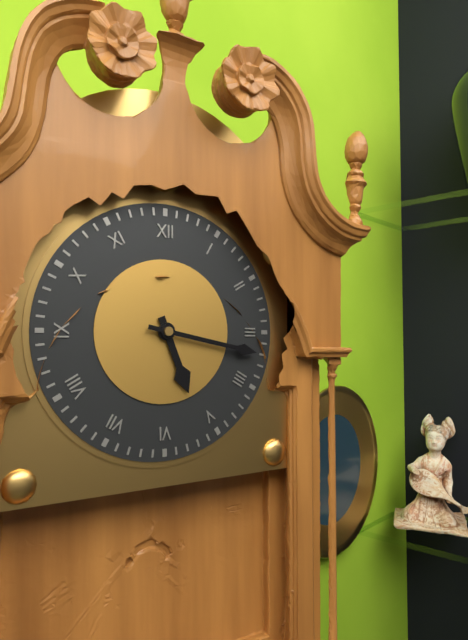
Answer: 5,17
